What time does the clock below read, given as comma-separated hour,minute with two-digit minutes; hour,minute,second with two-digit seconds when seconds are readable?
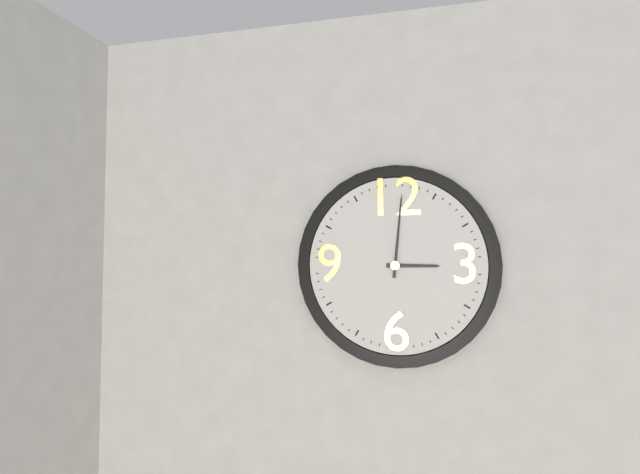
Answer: 3,01
